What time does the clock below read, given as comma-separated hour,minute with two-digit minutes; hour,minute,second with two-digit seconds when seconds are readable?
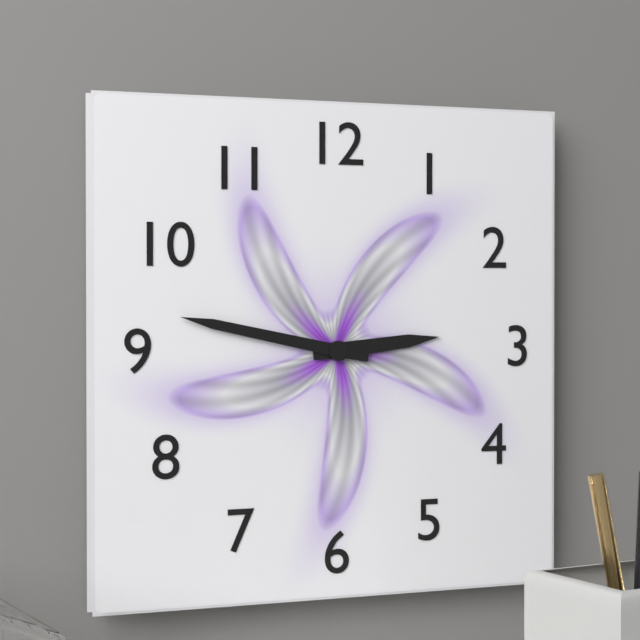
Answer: 2,47
